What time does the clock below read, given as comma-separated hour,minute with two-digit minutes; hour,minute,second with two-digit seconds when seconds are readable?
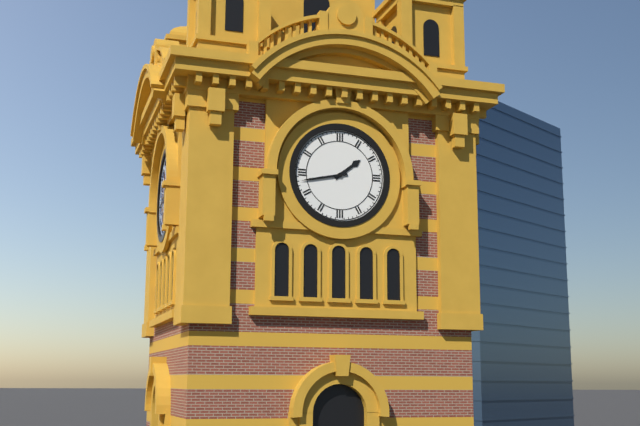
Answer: 1,43
